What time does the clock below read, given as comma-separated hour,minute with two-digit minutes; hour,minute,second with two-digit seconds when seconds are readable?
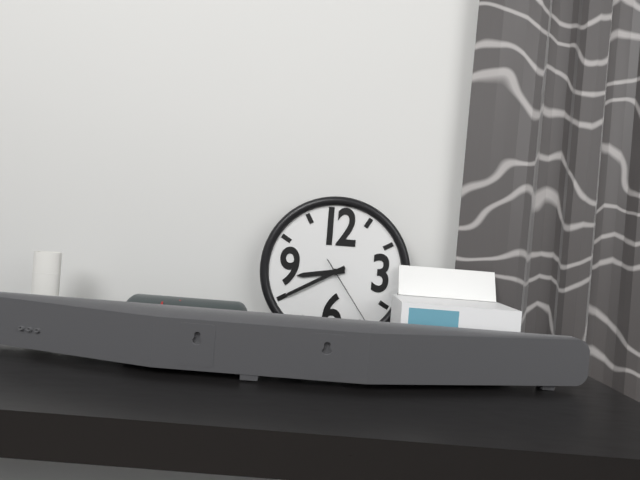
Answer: 8,40,24
